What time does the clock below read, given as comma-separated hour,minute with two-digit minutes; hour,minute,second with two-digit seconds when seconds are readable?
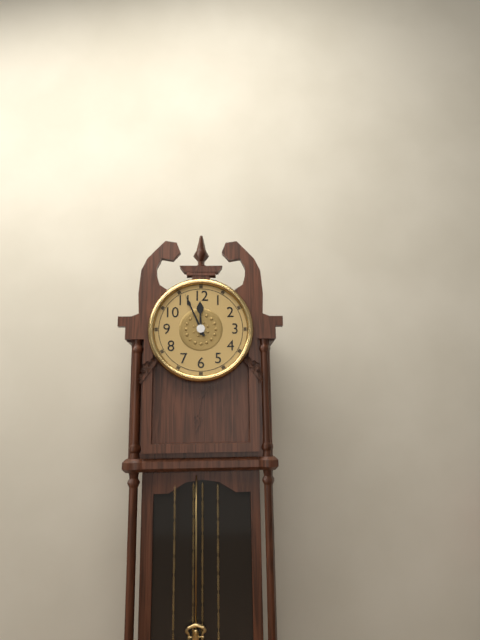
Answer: 11,56
